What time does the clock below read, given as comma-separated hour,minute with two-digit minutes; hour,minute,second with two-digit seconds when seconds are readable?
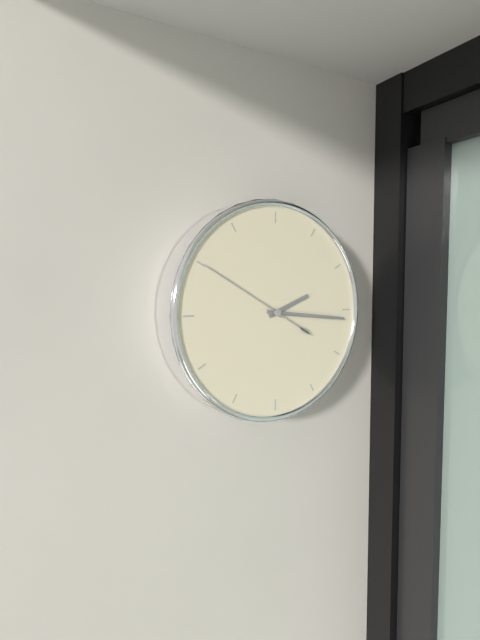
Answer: 2,16,50
